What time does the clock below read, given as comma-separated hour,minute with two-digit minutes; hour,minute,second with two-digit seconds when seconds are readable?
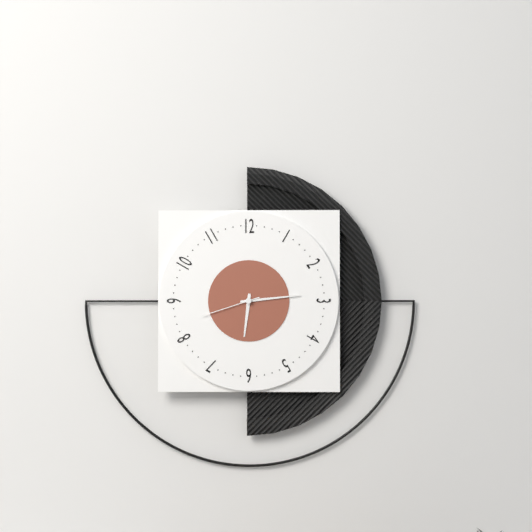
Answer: 6,14,42
